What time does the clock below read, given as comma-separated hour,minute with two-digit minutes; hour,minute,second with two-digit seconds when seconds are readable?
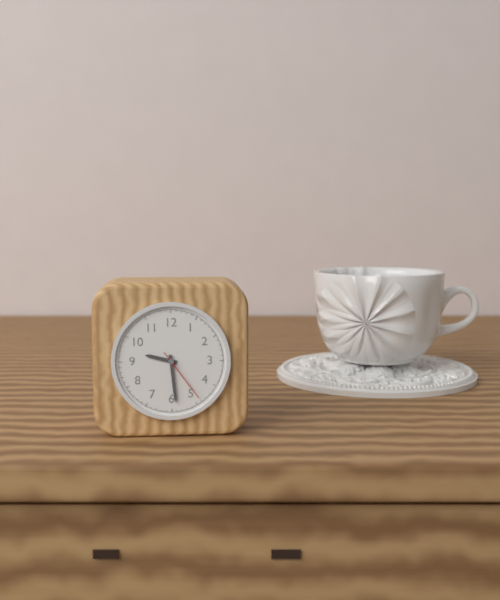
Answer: 9,29,24
